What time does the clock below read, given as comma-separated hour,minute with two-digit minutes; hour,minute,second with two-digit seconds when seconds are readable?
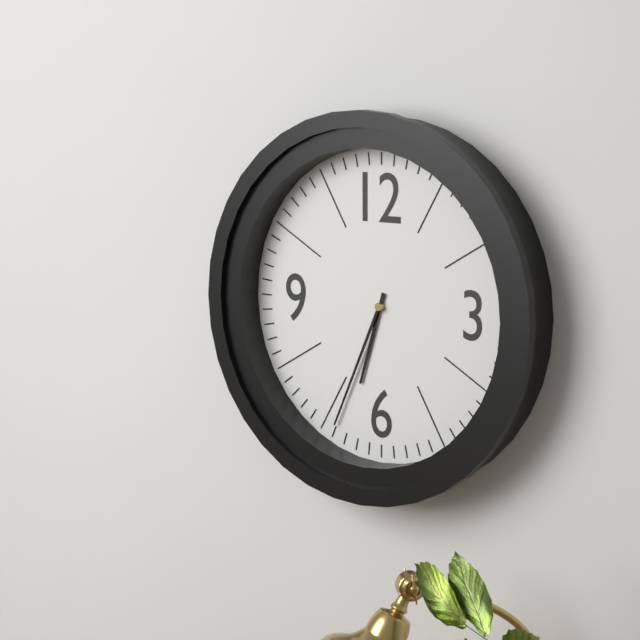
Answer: 6,34
